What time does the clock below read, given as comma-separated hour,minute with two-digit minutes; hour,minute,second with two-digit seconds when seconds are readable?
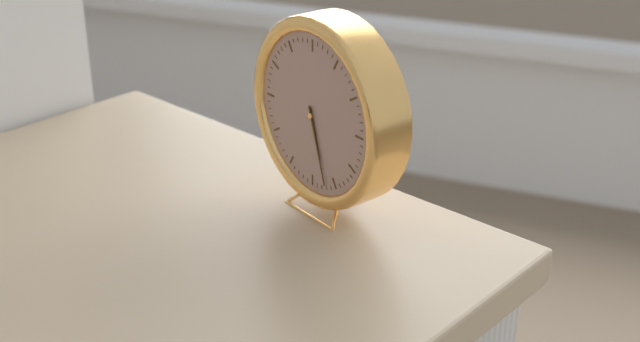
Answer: 5,27
